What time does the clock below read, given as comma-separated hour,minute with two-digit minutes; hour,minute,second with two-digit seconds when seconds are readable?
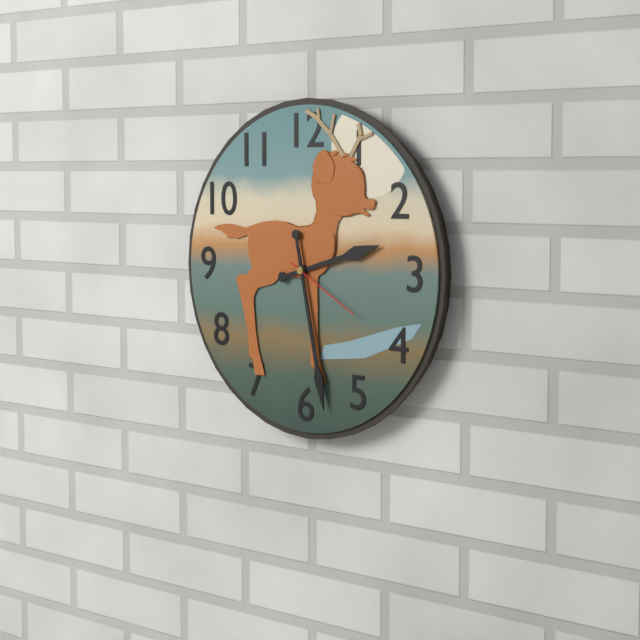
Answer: 2,28,20
